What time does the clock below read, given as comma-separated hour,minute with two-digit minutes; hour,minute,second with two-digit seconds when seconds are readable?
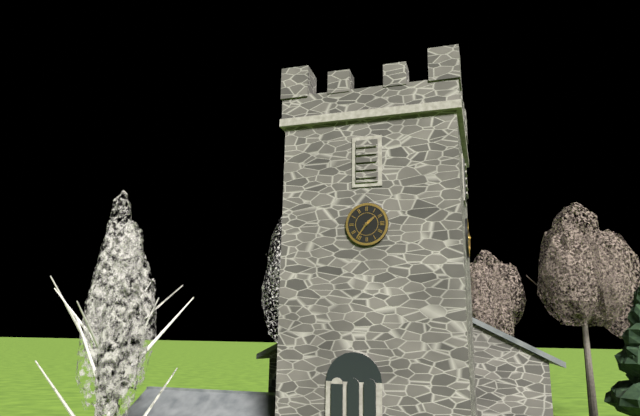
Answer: 1,36
